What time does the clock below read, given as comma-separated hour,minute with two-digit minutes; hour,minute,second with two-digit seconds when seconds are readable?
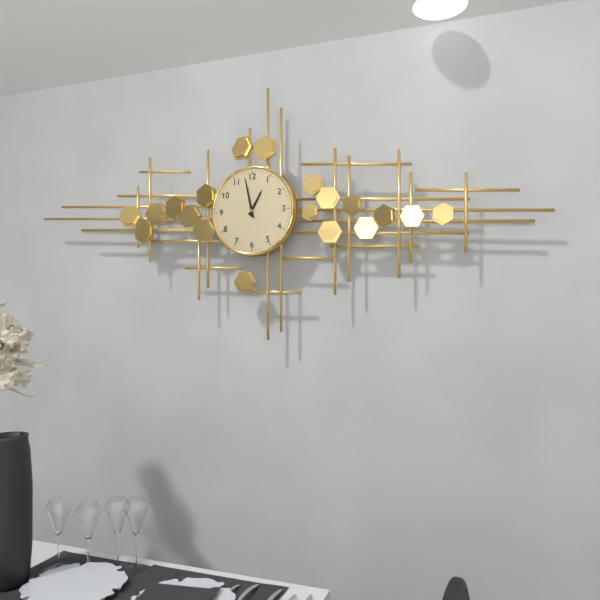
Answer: 12,58
